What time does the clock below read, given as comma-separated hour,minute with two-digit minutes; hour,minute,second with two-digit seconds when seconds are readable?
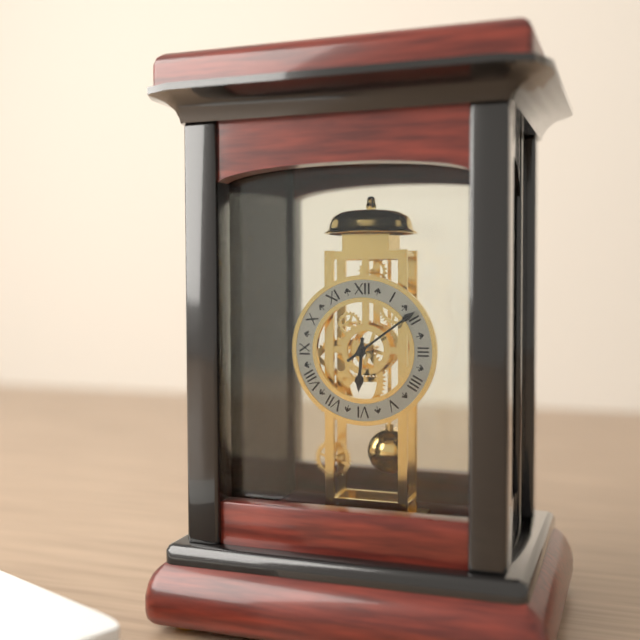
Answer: 6,09
